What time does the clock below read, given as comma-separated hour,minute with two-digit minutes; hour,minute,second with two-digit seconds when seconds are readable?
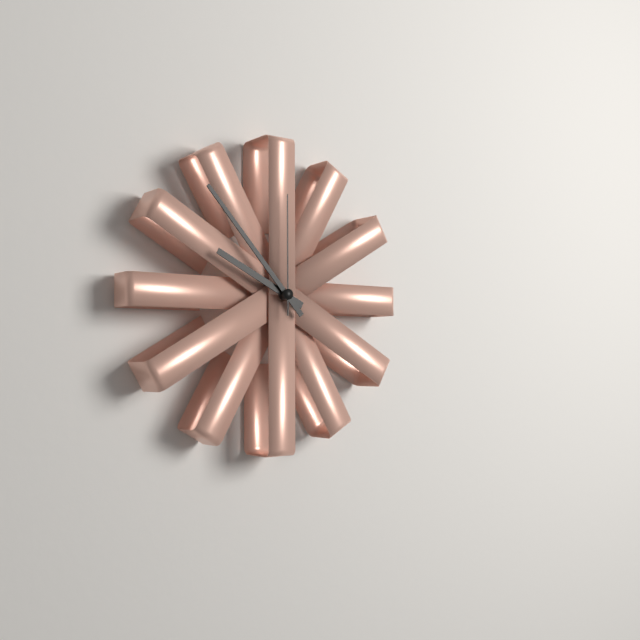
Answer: 9,53,00
